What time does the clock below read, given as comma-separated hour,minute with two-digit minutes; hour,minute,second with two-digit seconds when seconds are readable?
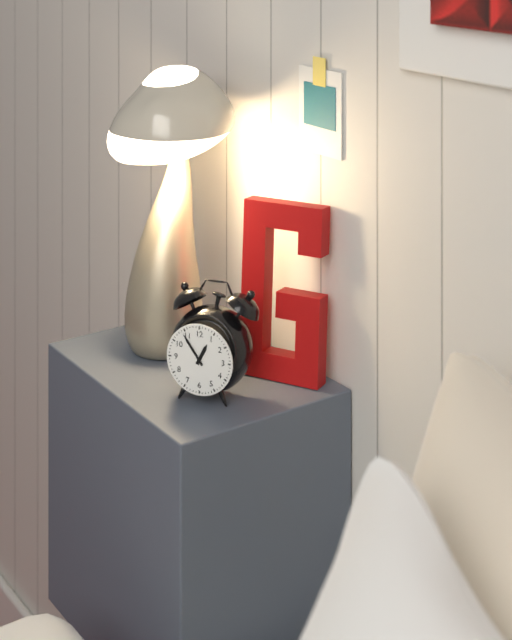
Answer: 12,54
